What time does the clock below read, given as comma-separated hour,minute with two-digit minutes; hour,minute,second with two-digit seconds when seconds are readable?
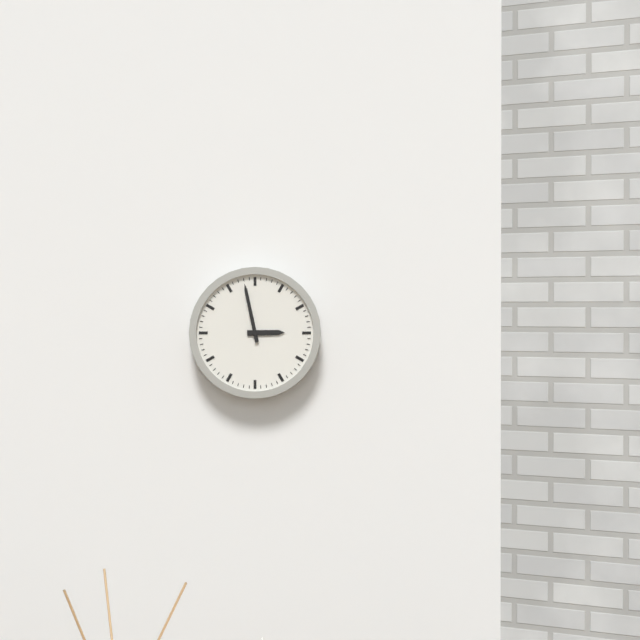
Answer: 2,58
